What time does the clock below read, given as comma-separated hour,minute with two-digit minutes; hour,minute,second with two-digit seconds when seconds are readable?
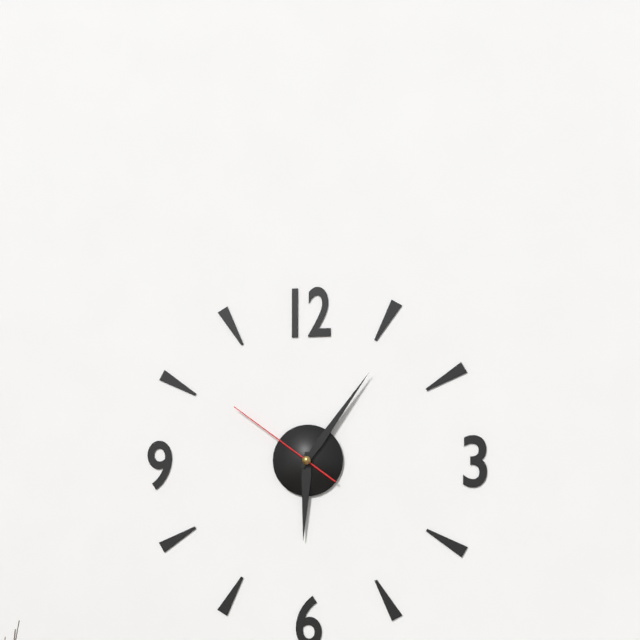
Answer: 6,06,51
